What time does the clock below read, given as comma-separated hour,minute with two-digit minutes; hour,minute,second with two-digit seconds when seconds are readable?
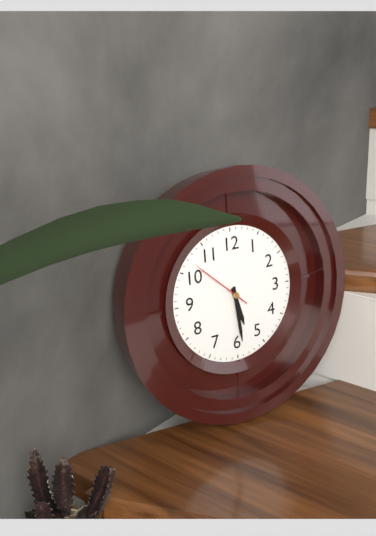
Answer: 5,29,52
